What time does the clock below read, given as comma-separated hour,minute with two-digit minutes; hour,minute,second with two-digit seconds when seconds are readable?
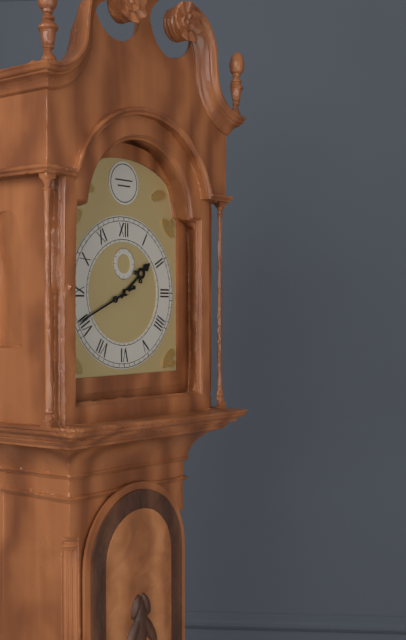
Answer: 1,41
